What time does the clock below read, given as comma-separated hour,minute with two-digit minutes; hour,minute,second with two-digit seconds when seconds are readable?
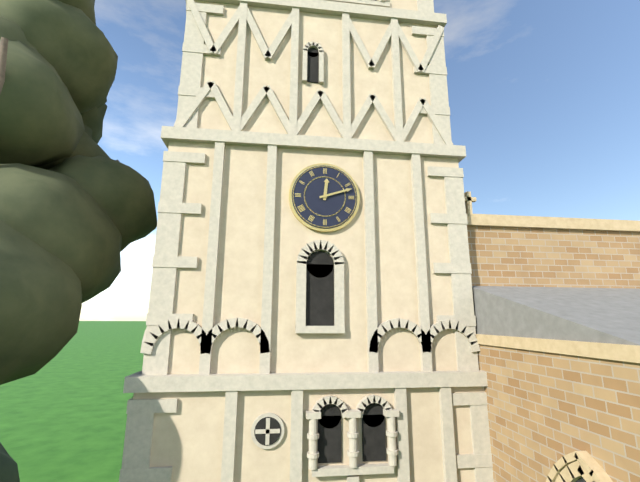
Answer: 12,12
